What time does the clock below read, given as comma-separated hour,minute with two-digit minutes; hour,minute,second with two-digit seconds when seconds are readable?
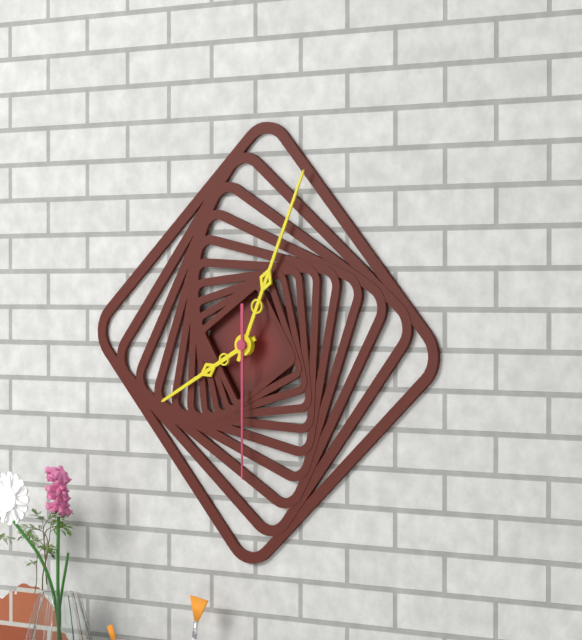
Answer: 8,04,30
